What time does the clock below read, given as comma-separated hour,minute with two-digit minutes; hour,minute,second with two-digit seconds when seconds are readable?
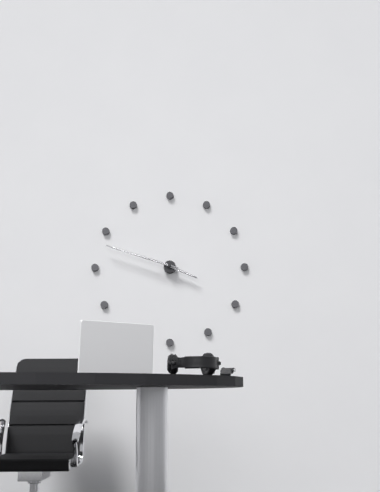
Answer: 3,48
